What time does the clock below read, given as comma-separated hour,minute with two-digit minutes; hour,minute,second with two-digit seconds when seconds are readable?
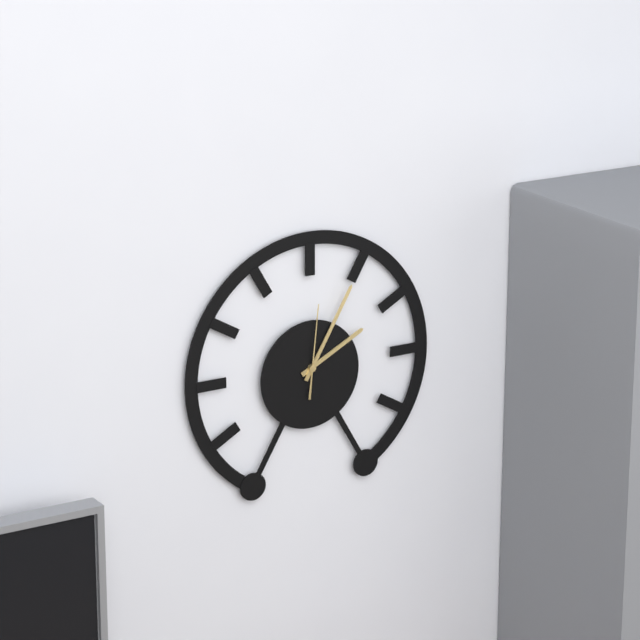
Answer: 2,05,01
